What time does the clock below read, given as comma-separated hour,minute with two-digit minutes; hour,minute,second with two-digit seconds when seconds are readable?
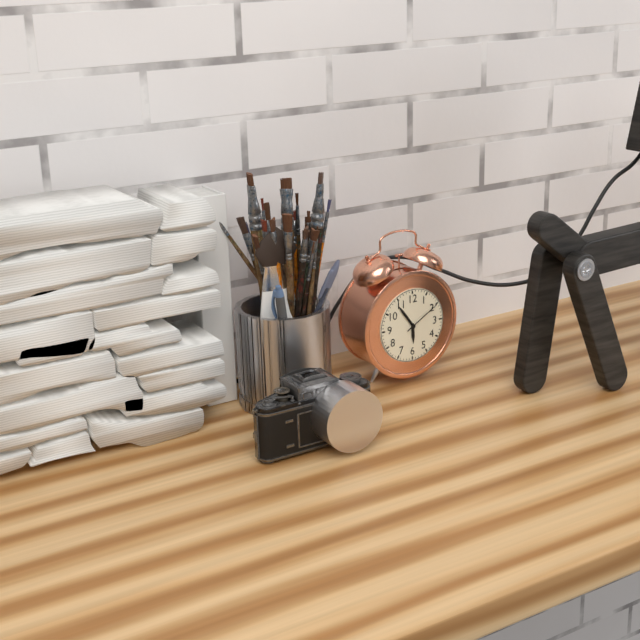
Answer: 5,54
